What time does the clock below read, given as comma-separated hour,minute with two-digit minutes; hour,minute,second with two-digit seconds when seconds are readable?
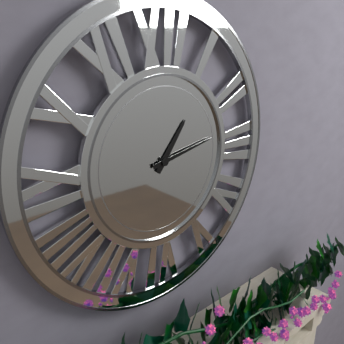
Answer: 1,13
